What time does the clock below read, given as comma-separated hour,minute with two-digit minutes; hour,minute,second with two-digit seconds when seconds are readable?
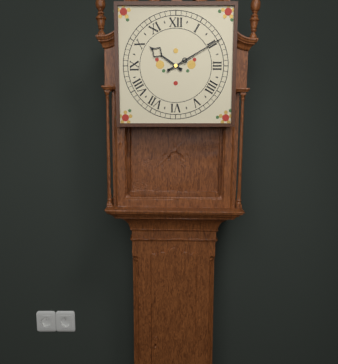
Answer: 10,10
